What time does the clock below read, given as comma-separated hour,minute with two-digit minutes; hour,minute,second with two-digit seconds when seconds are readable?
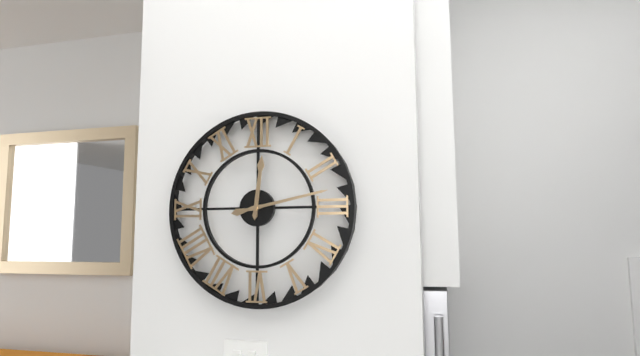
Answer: 12,13
